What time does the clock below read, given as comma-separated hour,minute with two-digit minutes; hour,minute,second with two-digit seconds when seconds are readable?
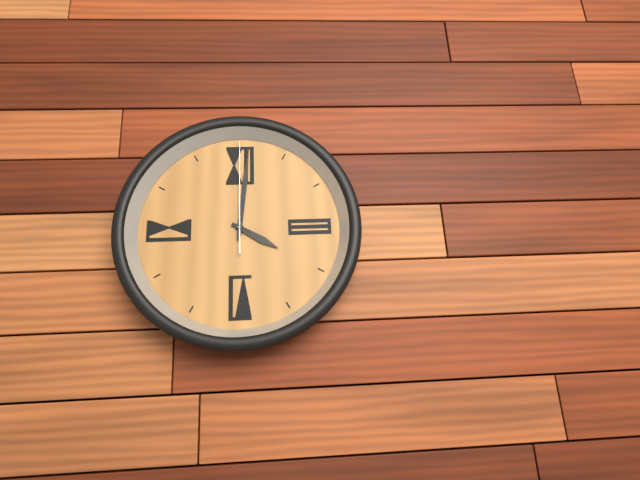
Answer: 4,01,00
